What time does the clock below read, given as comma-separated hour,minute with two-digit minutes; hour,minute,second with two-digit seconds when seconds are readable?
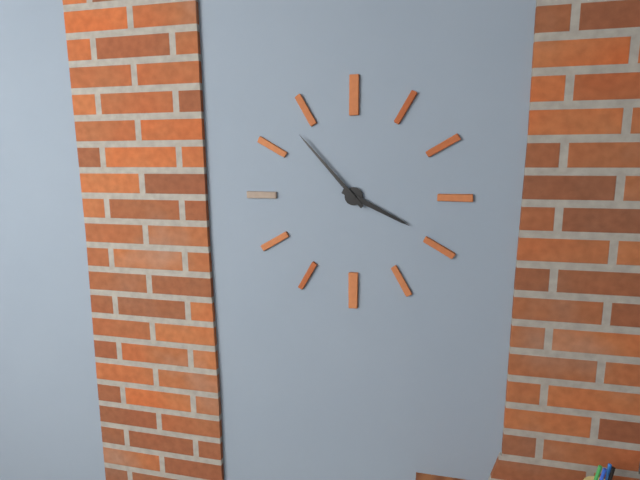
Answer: 3,53
